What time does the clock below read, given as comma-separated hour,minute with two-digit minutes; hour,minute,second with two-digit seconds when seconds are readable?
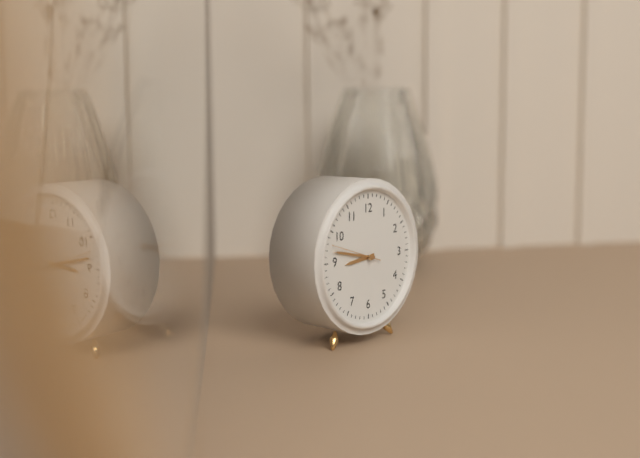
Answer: 8,47
